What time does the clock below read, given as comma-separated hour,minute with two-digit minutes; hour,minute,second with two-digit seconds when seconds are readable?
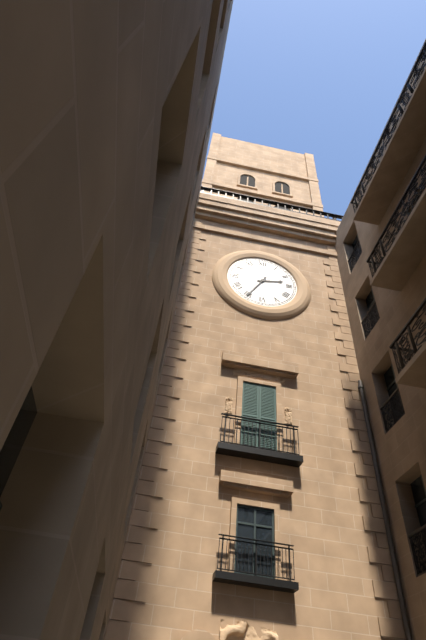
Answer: 2,35
